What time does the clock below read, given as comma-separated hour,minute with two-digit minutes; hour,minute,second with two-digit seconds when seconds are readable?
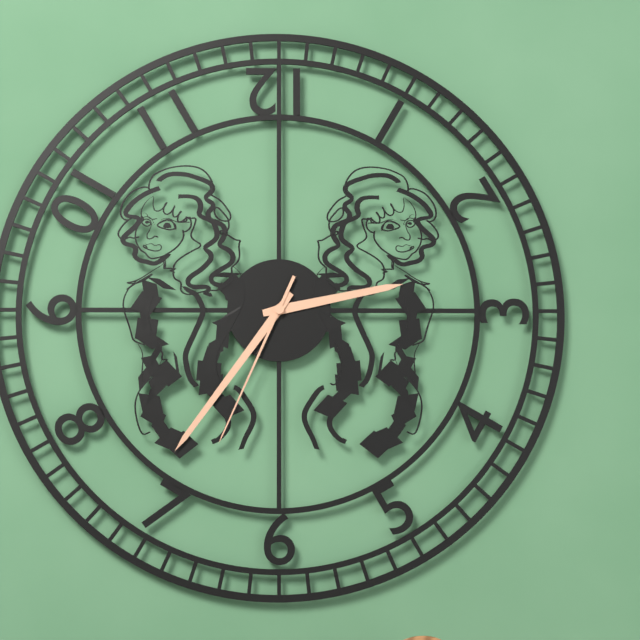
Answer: 2,36,34
